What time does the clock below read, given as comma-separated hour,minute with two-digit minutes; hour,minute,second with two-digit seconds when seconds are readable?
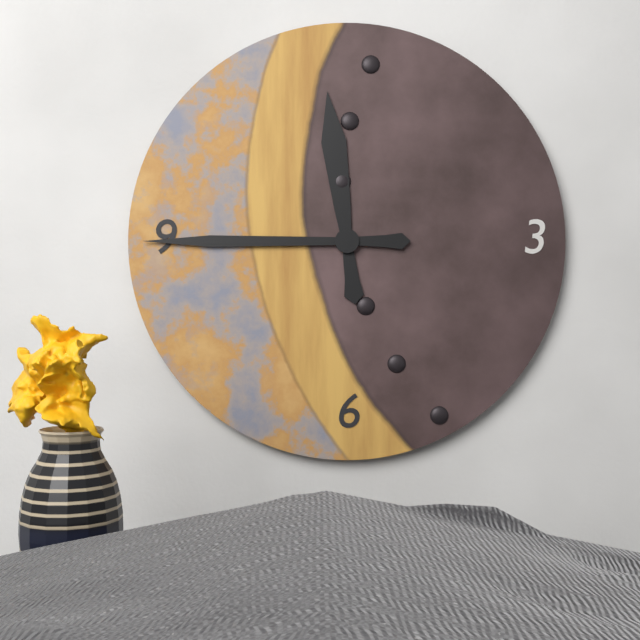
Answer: 11,45
